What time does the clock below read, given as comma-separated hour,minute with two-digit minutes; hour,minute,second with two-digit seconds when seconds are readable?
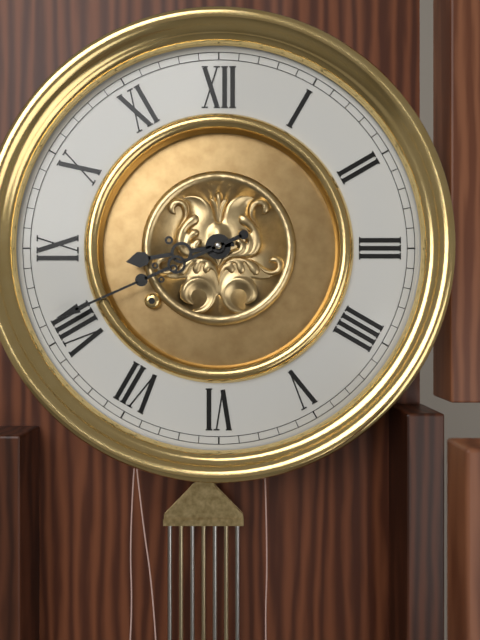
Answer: 8,41
